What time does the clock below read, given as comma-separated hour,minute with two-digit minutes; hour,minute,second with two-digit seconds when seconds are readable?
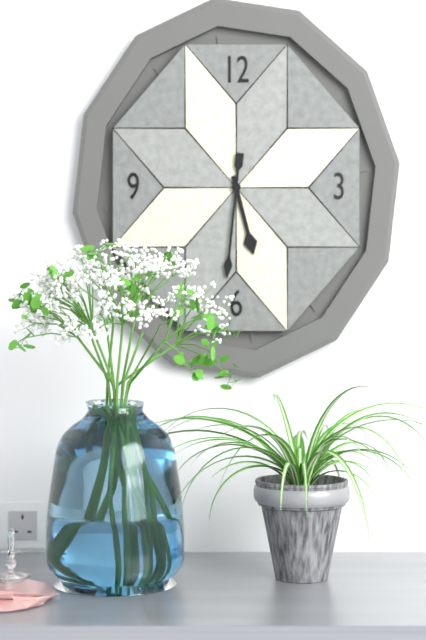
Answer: 5,31
